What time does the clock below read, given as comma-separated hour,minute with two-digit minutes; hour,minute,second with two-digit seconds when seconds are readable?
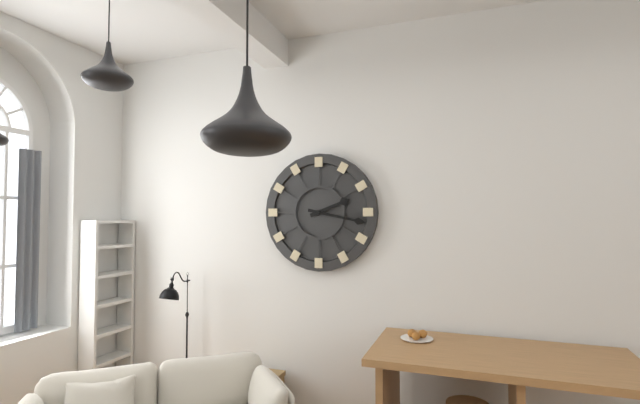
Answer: 2,17
